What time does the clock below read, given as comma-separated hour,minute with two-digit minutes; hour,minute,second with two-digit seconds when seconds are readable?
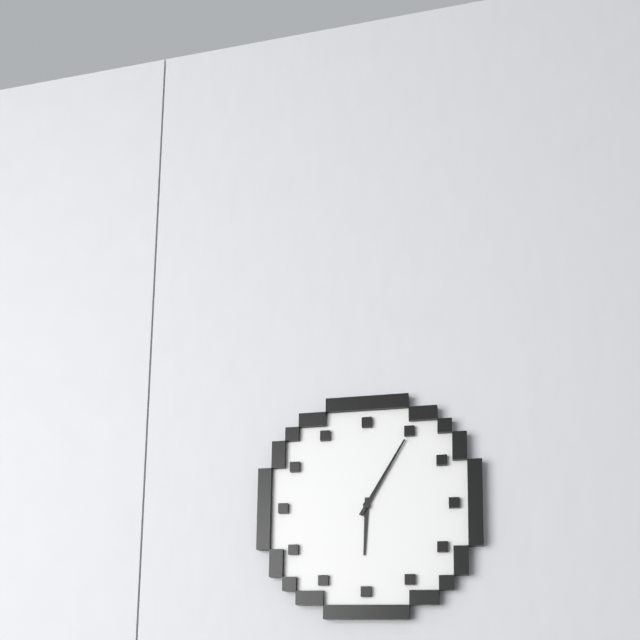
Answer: 6,05
